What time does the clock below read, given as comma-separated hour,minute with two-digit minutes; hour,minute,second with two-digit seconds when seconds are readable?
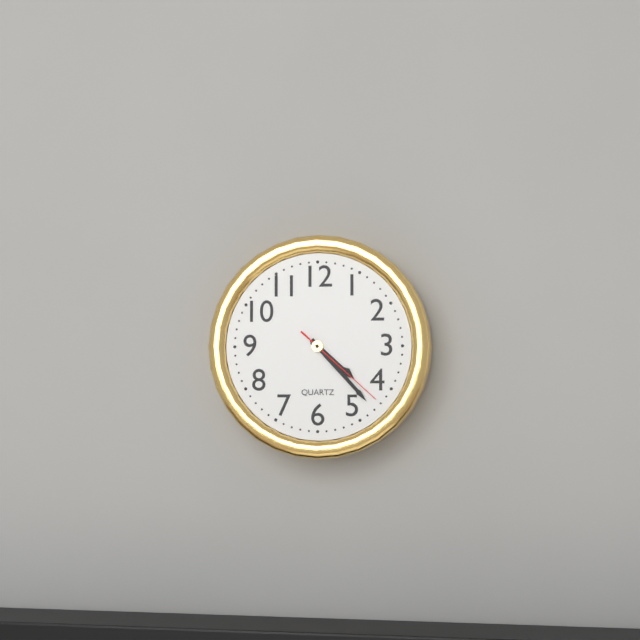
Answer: 4,23,22
